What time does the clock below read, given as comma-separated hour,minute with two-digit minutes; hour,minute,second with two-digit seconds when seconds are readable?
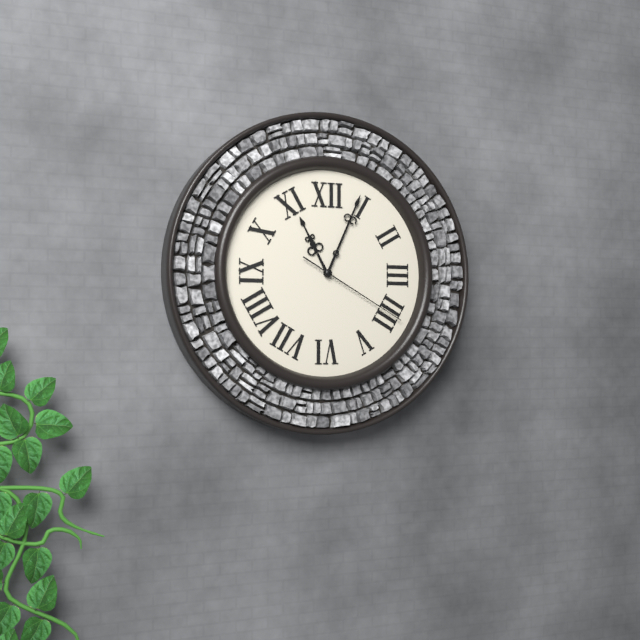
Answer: 11,04,20
